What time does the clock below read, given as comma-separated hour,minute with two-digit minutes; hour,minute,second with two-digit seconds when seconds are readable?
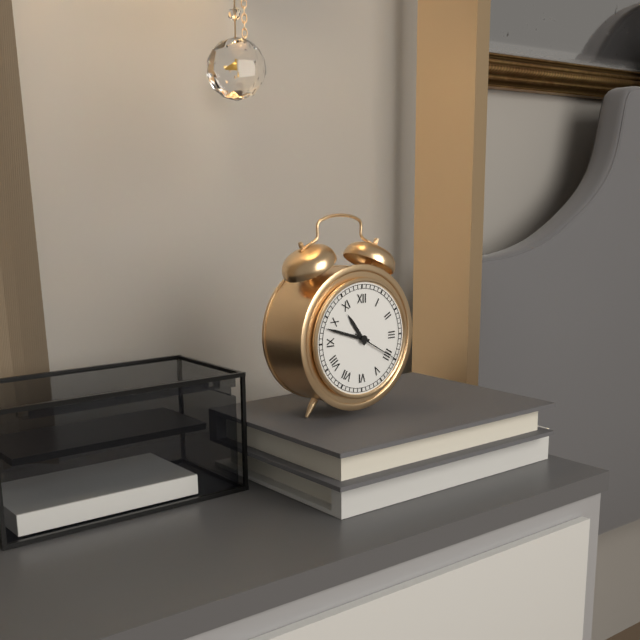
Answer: 10,48
